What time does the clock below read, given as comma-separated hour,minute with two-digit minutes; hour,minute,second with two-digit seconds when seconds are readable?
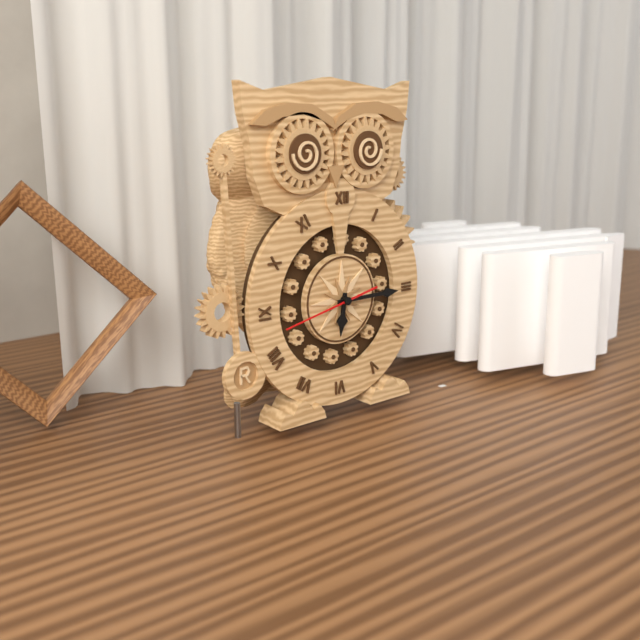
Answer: 6,15,43
